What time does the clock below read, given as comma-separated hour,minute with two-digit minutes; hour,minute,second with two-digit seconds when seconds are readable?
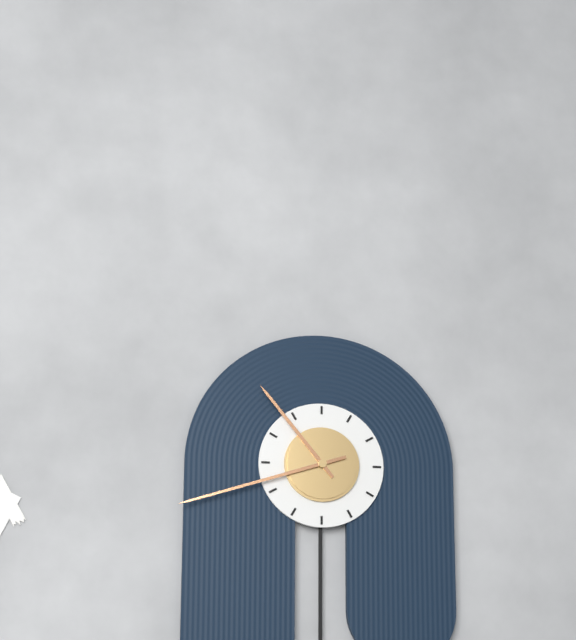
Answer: 10,42
